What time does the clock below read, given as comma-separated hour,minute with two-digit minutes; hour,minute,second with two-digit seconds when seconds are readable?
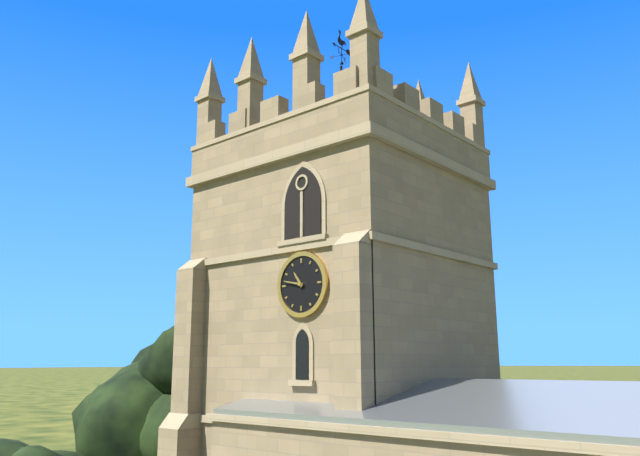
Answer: 10,47
